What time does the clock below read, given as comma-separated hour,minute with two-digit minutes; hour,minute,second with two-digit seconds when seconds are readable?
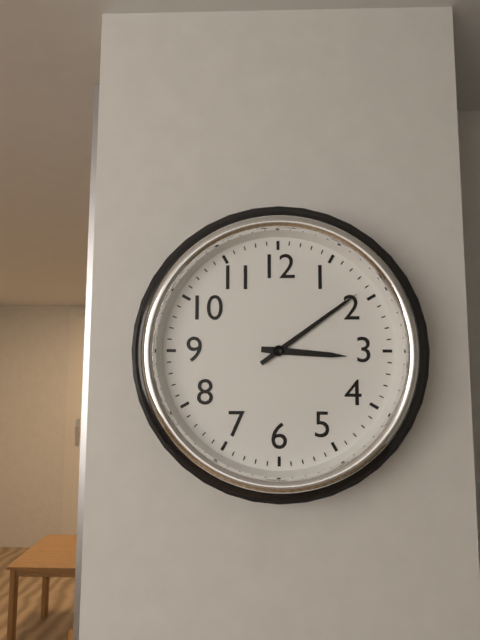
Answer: 3,09
